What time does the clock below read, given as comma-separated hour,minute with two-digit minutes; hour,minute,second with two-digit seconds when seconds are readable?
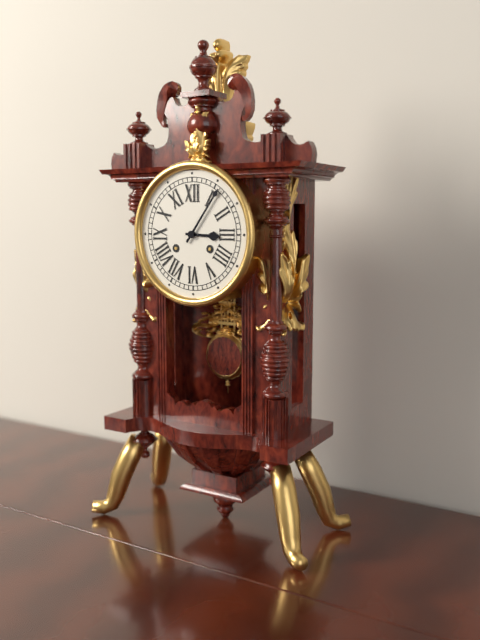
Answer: 3,06
